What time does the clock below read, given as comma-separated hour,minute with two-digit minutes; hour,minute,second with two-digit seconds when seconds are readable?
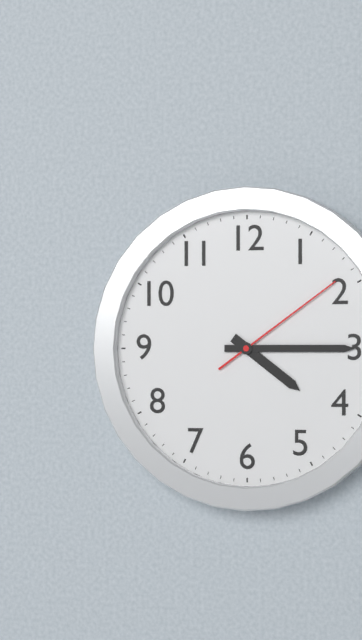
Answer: 4,15,09
